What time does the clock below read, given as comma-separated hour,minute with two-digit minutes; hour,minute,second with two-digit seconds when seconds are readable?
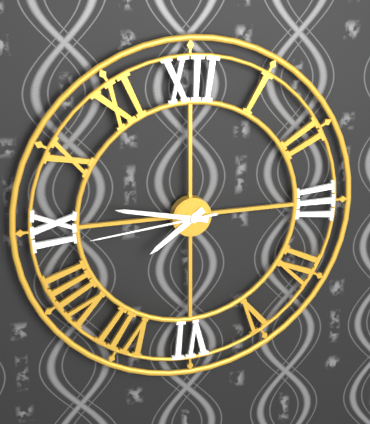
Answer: 7,47,44
